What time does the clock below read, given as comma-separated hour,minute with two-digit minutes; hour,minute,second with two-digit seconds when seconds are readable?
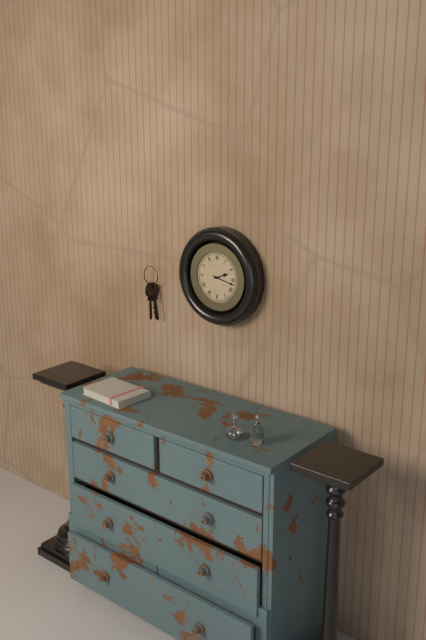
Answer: 2,17
